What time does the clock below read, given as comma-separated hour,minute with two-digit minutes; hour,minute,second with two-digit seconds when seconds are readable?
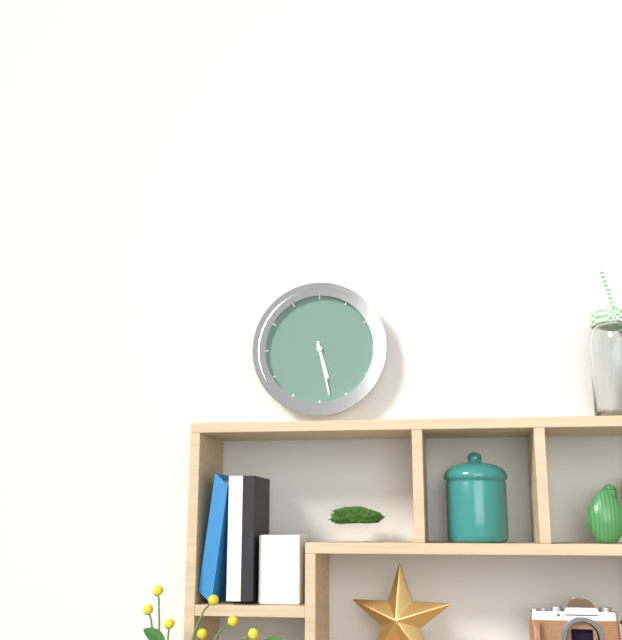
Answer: 5,28
